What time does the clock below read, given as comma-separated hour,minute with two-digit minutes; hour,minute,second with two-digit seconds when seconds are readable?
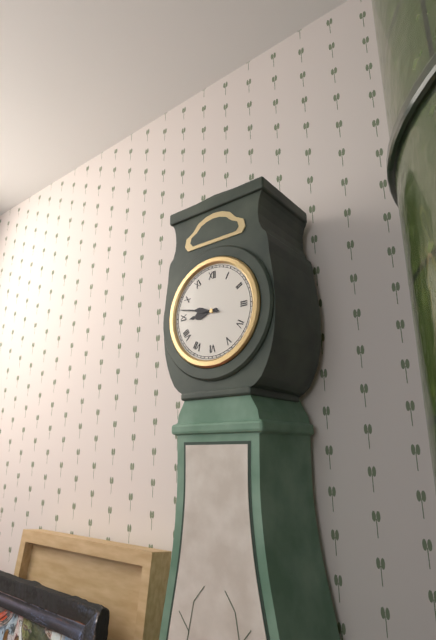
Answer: 8,47
